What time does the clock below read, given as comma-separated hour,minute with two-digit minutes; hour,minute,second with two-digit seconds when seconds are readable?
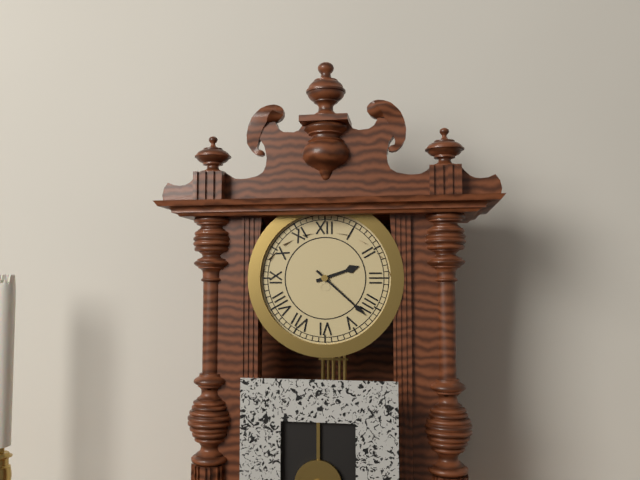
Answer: 2,22
